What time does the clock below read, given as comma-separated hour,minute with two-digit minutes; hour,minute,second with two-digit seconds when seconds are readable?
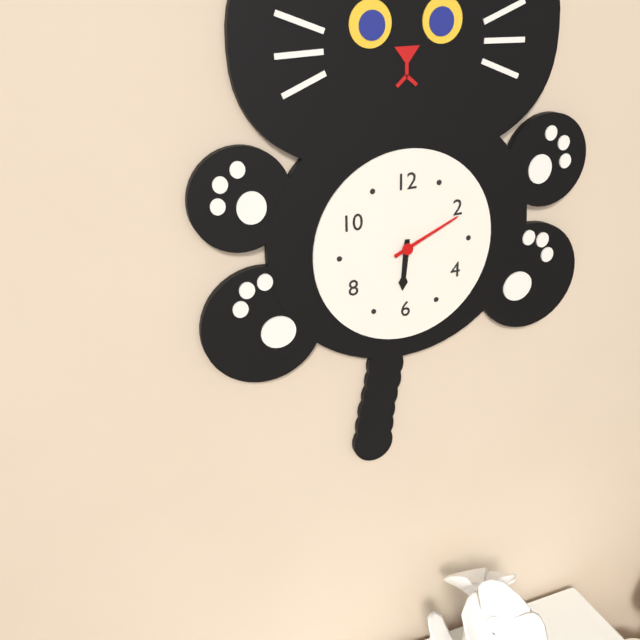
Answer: 6,11
